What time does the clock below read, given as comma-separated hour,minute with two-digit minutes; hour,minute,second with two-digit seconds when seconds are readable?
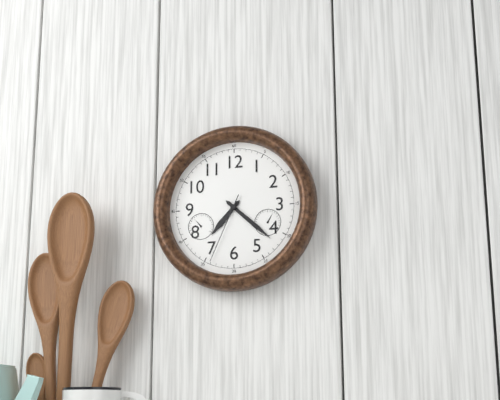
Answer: 7,22,34
